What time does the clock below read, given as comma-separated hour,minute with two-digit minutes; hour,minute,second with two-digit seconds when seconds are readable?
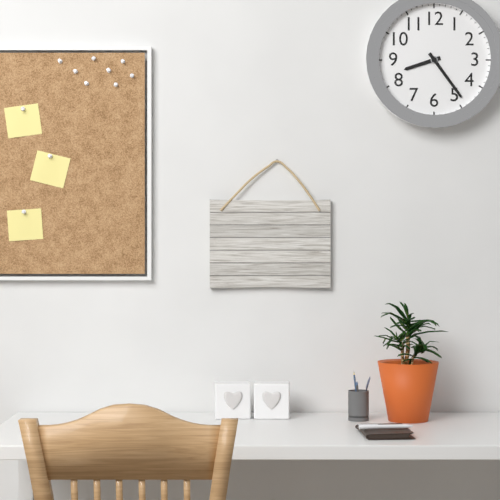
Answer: 8,24
